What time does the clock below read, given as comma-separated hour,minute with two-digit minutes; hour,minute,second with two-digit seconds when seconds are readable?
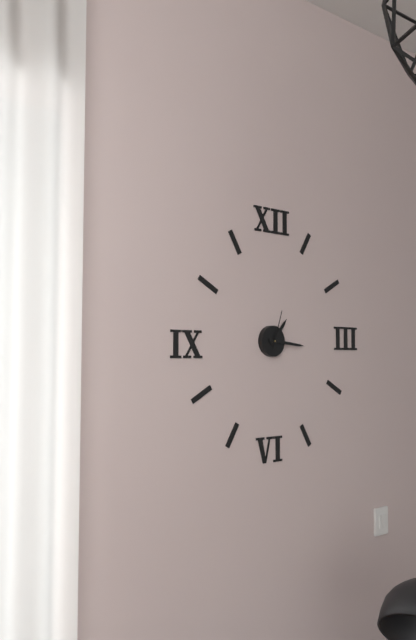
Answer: 1,16
